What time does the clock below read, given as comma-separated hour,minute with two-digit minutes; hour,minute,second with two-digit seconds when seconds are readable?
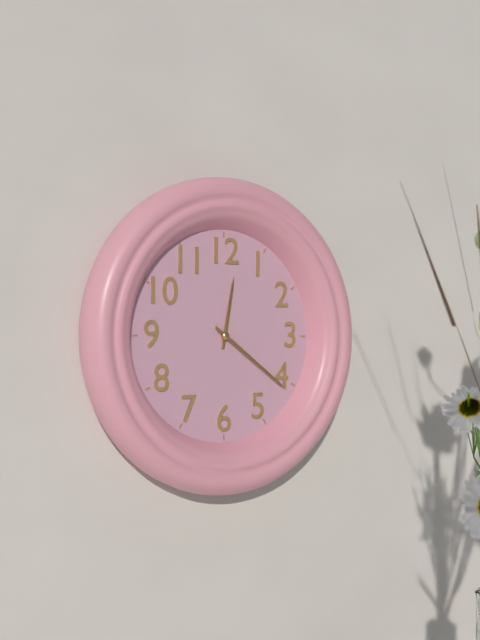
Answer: 12,21
